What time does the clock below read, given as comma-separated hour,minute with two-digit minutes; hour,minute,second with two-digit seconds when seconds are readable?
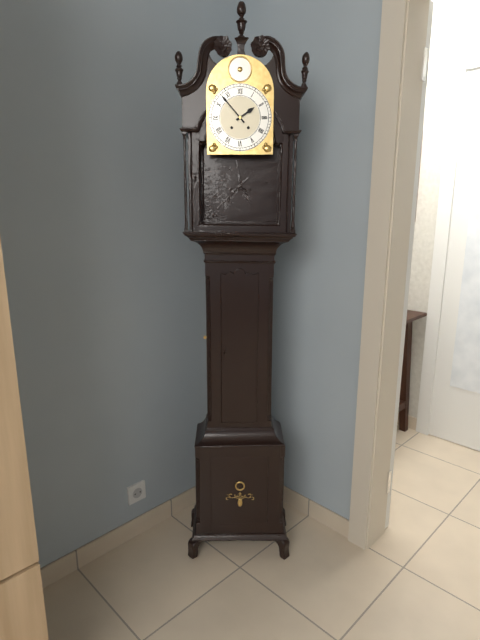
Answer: 1,53
